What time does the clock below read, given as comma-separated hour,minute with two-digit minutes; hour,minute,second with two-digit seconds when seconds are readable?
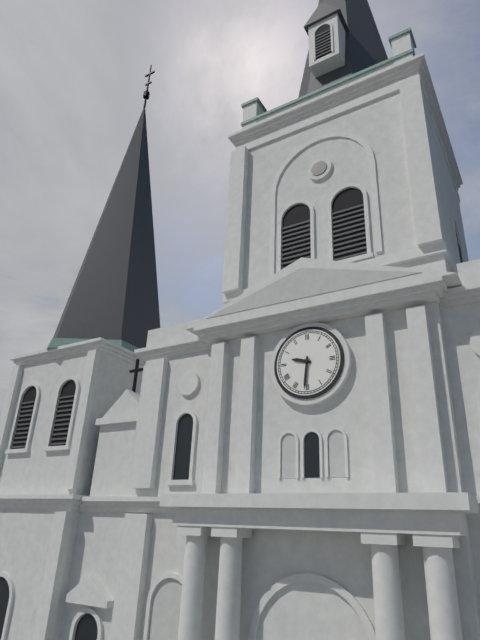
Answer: 9,31
